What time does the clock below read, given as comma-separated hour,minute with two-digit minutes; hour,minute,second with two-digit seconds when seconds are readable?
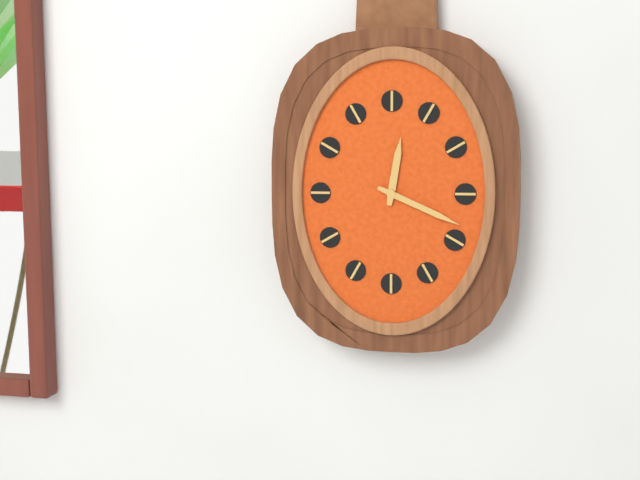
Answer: 12,19
